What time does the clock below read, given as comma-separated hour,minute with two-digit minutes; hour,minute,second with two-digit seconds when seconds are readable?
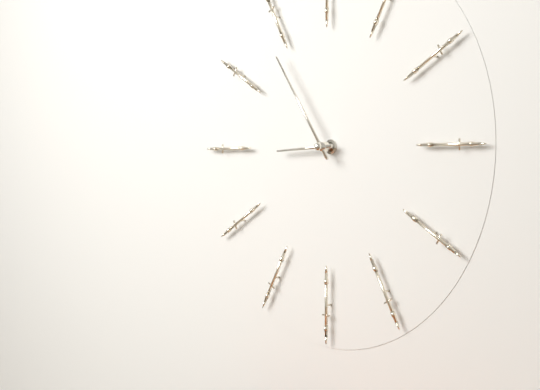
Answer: 8,54
